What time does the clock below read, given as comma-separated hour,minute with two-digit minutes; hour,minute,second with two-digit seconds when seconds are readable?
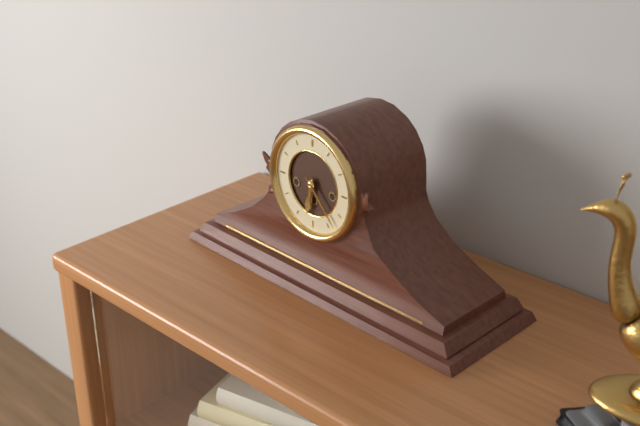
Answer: 6,23
